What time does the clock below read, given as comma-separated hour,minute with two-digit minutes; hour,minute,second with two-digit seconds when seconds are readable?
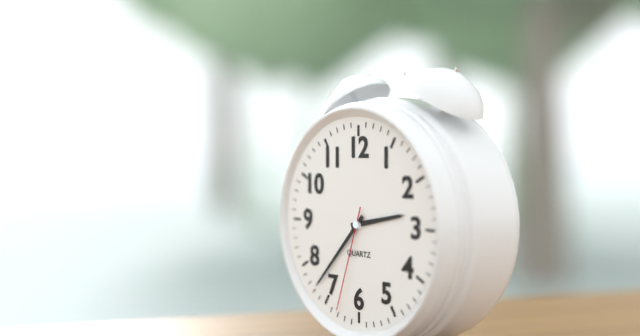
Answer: 2,37,33
